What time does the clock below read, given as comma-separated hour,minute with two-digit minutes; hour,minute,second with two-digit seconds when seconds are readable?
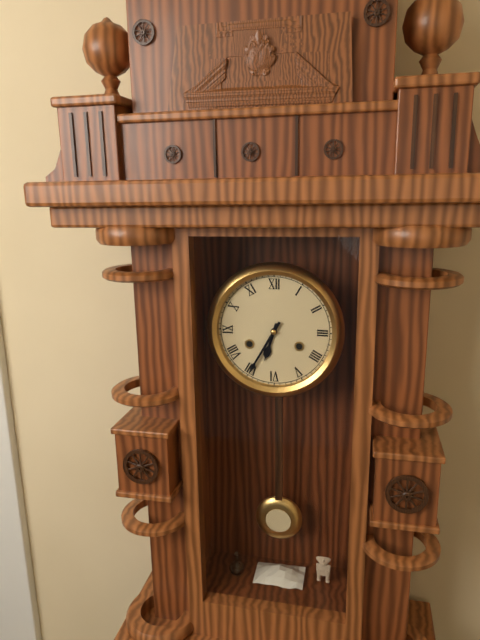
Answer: 6,35
